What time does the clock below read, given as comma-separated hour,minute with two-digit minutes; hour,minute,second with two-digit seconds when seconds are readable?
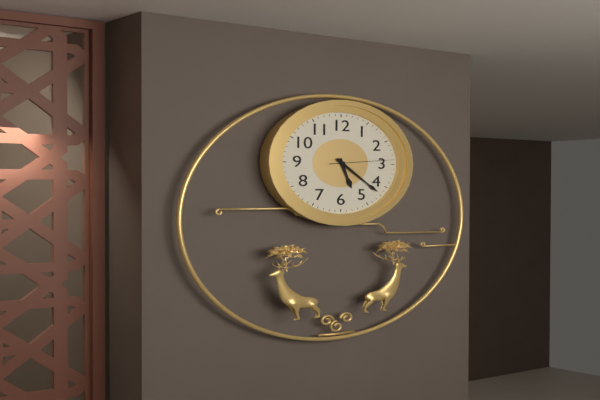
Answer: 5,22,14
